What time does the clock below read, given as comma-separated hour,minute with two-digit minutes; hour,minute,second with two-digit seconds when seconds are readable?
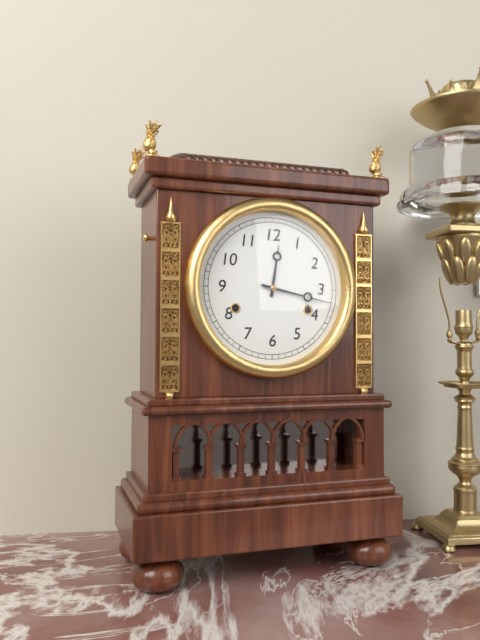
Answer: 12,17
